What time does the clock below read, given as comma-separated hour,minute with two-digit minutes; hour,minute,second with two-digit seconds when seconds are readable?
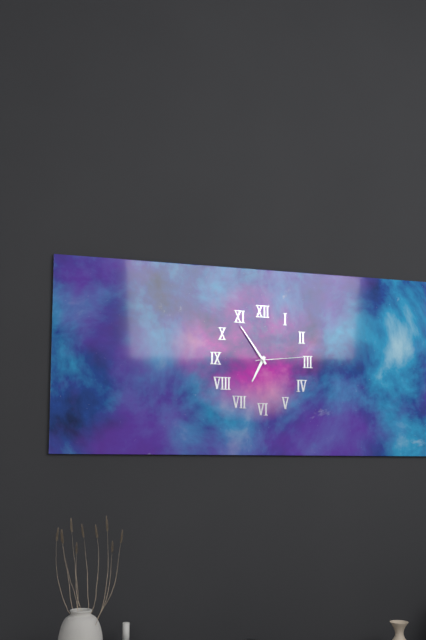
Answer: 6,54,14
